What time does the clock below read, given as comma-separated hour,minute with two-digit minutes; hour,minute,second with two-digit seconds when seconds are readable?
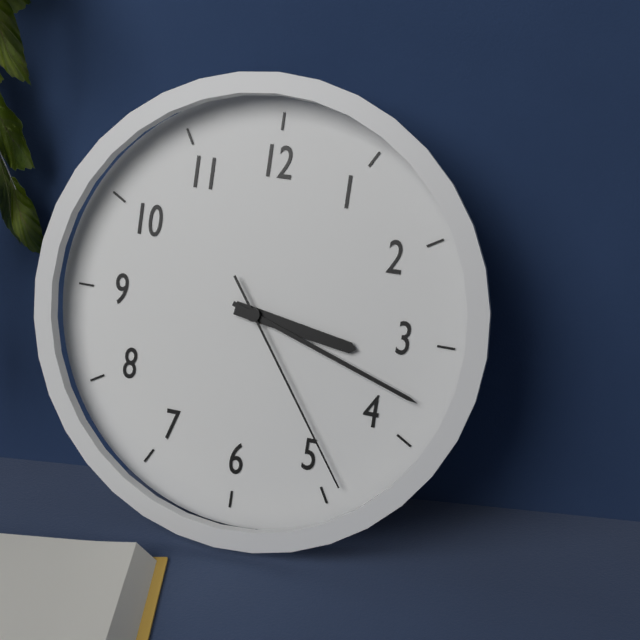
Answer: 3,18,24
